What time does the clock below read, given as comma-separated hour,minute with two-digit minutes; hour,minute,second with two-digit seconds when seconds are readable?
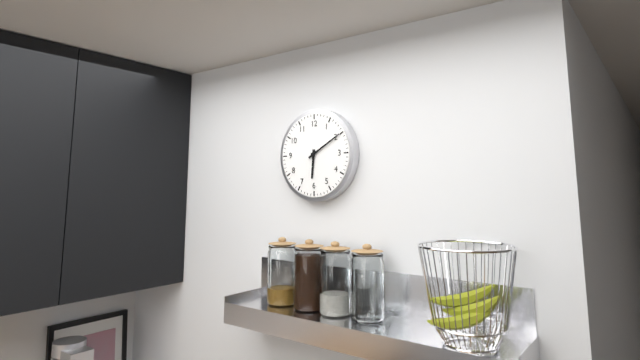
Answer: 6,10
